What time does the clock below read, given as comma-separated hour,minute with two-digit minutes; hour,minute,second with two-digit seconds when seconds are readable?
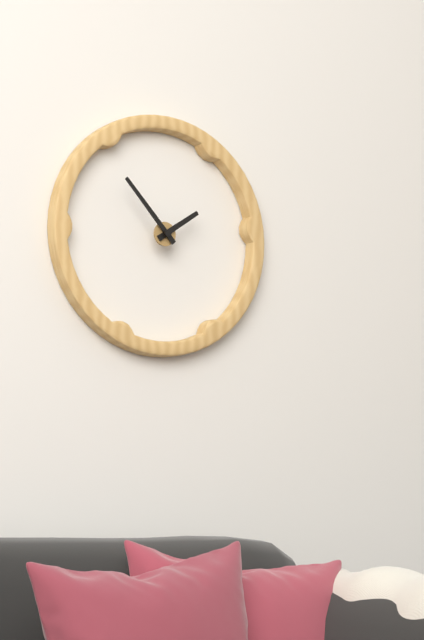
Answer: 1,53
